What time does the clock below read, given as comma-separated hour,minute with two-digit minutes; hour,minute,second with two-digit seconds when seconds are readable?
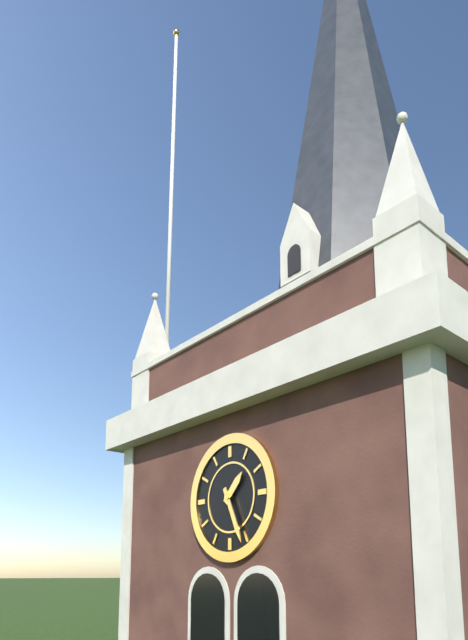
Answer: 1,26
